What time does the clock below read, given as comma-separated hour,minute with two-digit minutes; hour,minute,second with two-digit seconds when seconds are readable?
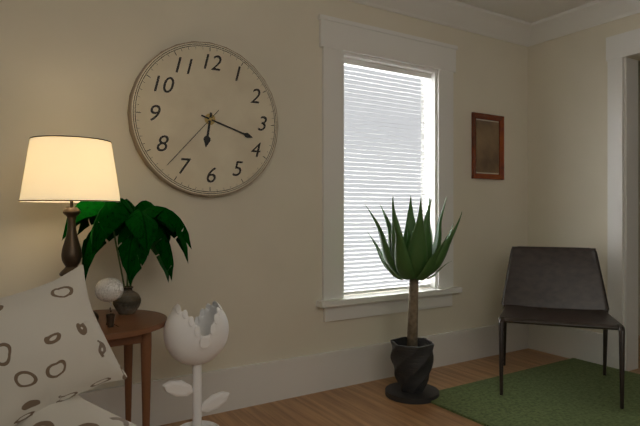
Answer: 6,18,37
